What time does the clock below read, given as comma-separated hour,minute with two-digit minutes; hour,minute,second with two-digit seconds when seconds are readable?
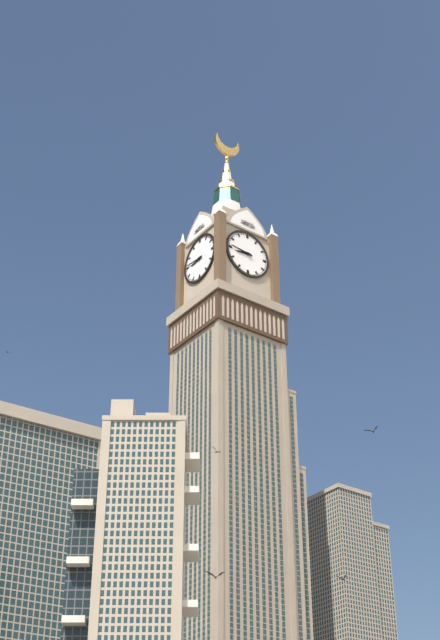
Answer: 8,46
